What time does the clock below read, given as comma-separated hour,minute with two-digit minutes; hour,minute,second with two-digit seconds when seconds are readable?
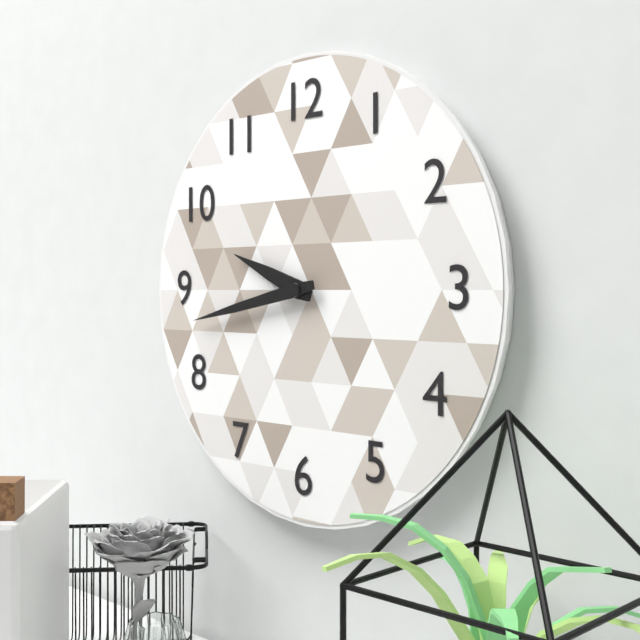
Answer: 9,43
